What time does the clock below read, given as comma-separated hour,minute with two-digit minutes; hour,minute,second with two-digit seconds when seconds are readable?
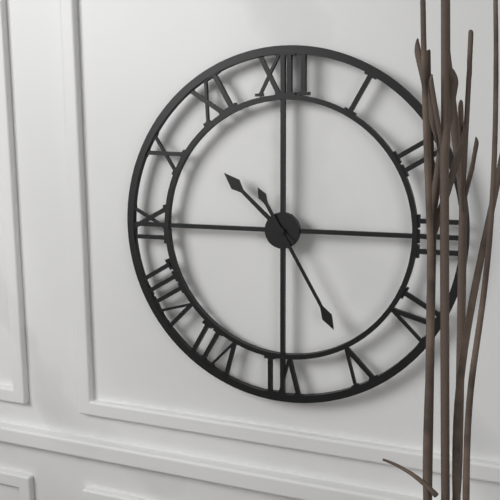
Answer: 10,25
